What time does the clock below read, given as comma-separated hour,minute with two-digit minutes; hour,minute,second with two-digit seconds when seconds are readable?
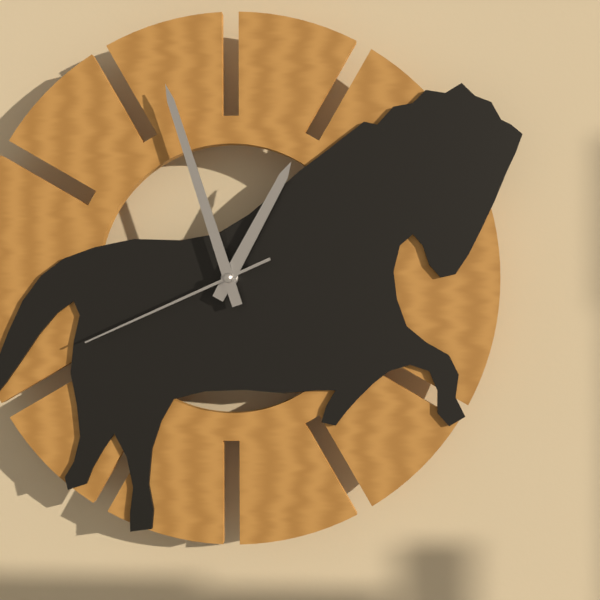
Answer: 12,57,41
